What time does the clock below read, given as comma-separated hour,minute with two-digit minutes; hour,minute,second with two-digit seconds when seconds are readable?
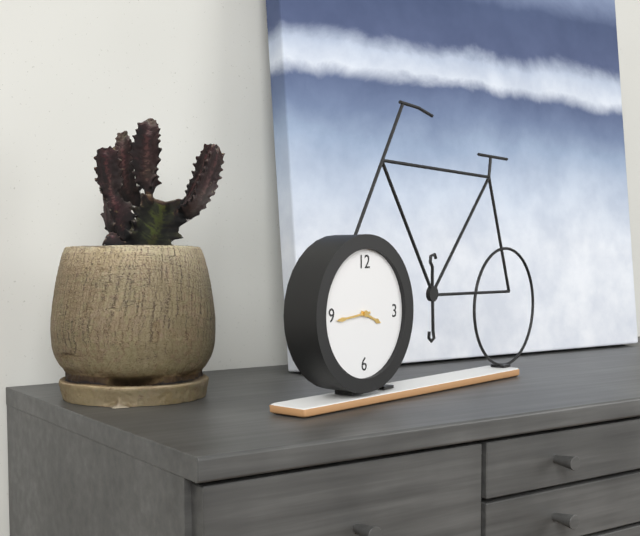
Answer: 3,44
